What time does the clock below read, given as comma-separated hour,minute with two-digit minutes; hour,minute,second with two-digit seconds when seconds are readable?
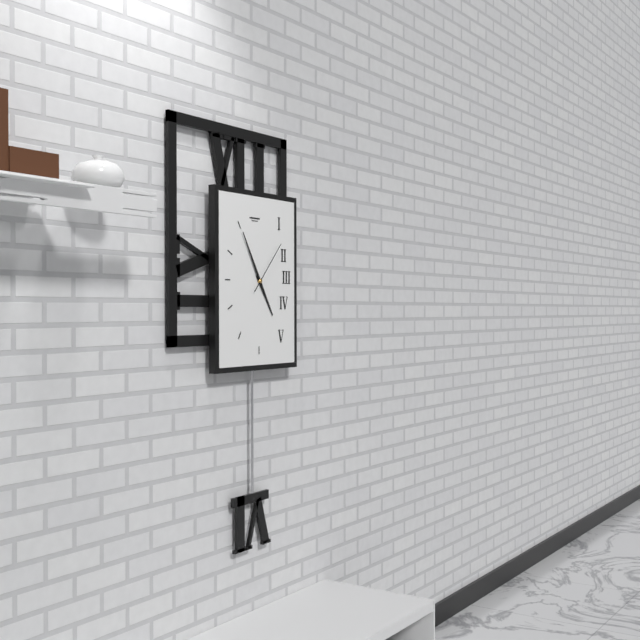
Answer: 4,55,07
